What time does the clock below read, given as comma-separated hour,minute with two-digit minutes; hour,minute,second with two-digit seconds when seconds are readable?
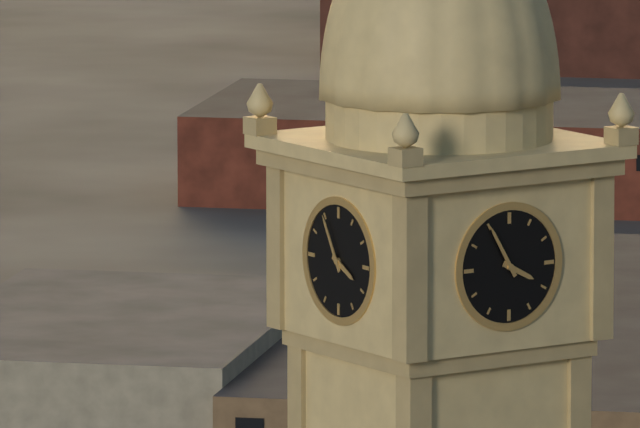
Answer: 3,55
